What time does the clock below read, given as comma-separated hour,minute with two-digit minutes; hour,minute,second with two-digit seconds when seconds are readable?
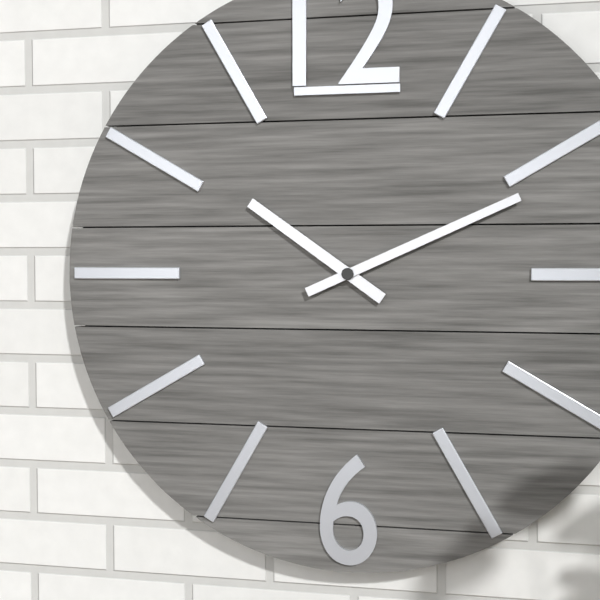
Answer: 10,11
